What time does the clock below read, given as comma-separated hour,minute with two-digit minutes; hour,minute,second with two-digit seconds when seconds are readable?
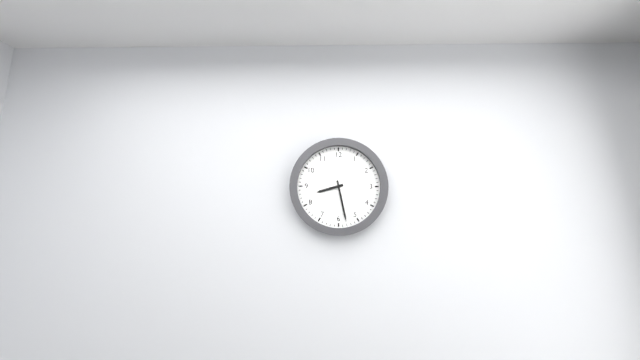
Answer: 8,28
